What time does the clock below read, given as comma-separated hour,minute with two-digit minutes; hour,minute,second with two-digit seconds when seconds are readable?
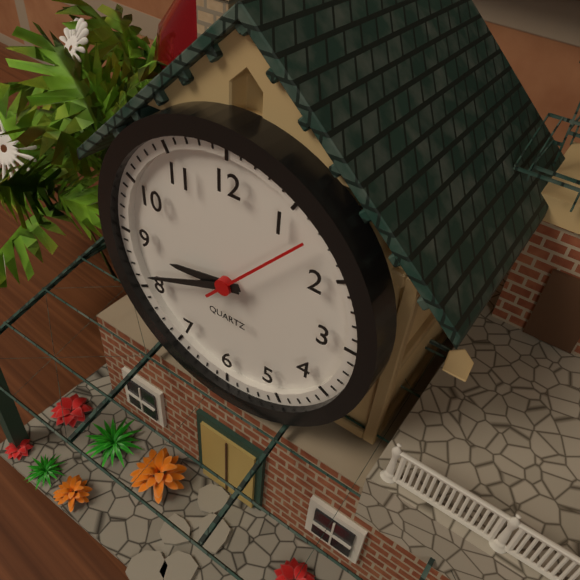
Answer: 8,41,07
